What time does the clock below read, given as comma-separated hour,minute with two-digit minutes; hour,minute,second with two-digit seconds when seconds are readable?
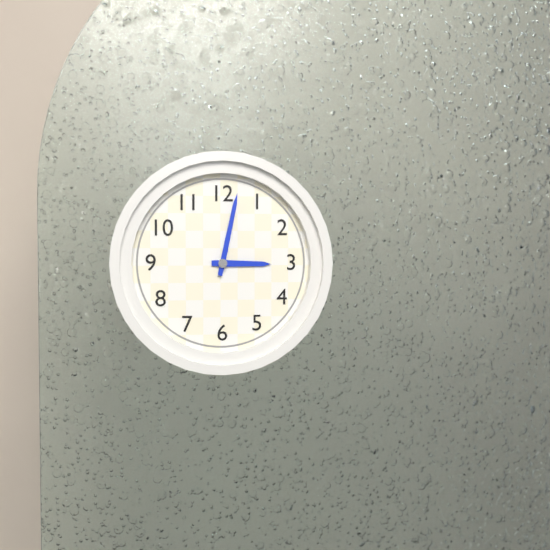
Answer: 3,02
